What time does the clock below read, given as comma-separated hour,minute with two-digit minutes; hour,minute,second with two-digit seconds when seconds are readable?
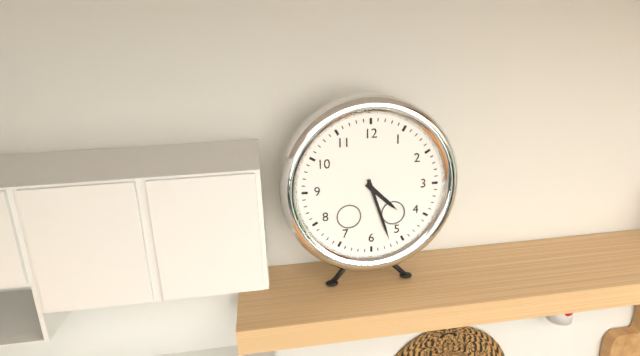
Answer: 4,27
